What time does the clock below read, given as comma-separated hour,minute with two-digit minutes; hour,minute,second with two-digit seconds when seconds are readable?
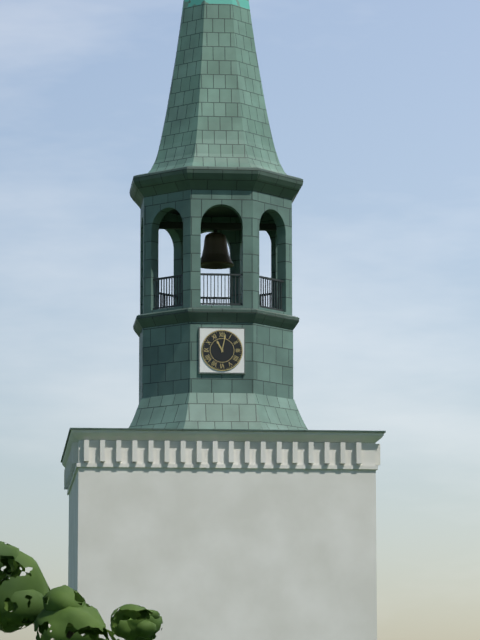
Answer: 11,02
